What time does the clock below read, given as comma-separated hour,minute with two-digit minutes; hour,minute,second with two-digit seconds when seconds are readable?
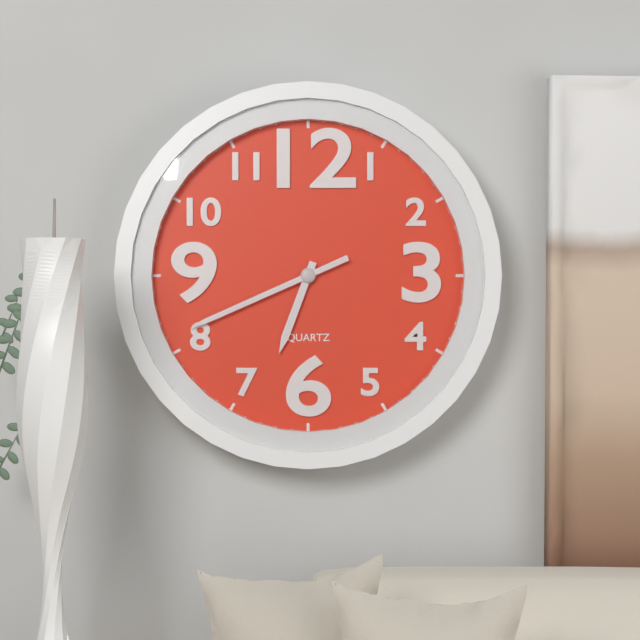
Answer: 6,41
